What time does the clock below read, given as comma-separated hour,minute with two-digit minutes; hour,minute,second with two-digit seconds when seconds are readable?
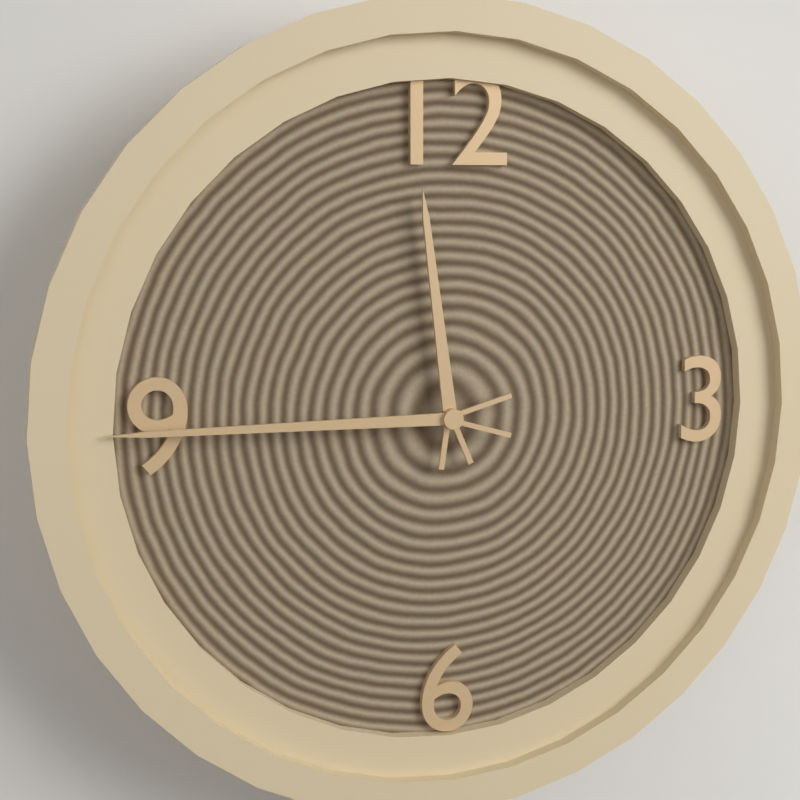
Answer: 11,45
